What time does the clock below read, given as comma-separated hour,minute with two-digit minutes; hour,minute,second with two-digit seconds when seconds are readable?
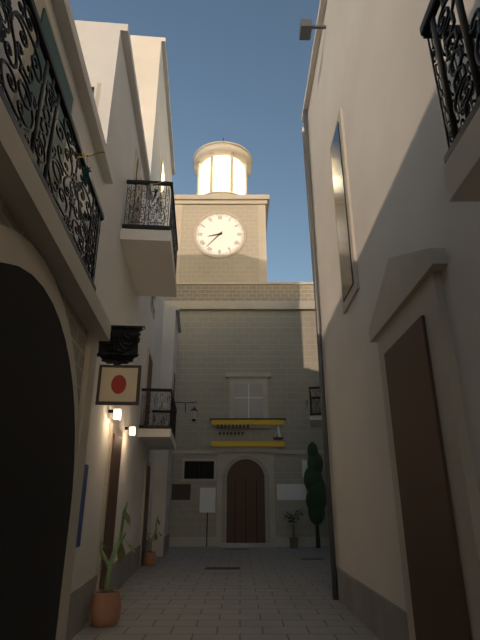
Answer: 8,37
